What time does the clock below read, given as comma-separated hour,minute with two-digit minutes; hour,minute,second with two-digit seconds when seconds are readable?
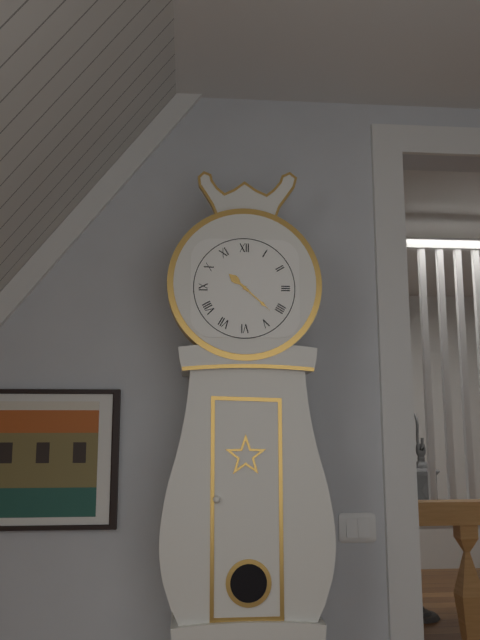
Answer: 10,22
